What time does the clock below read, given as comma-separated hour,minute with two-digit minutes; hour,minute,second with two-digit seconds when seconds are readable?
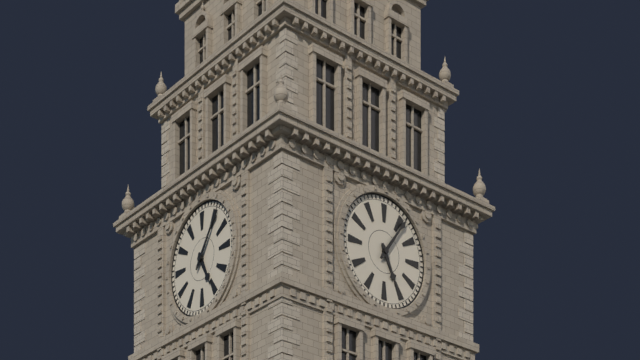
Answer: 5,06
